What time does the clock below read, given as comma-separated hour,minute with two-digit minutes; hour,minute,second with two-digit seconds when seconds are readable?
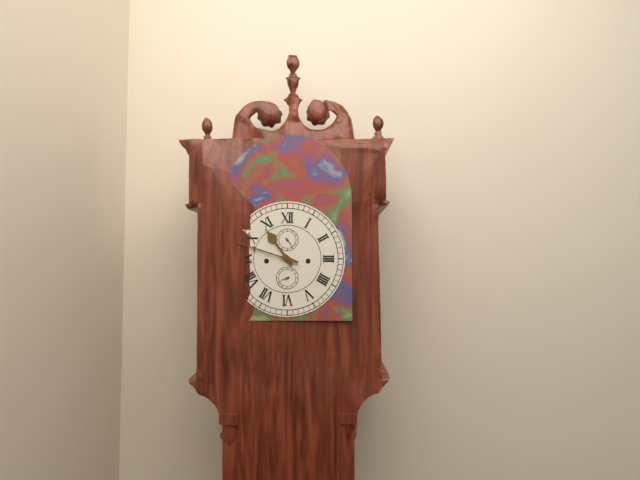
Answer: 10,48
